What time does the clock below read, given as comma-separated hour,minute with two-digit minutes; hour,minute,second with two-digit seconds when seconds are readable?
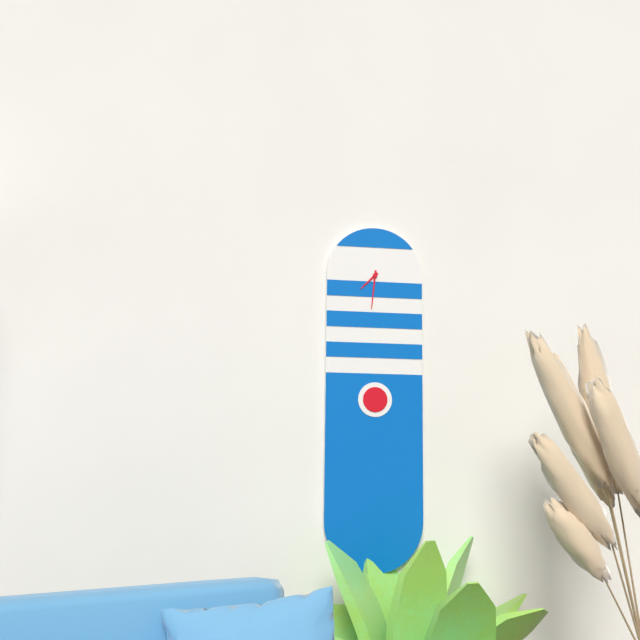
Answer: 7,31
